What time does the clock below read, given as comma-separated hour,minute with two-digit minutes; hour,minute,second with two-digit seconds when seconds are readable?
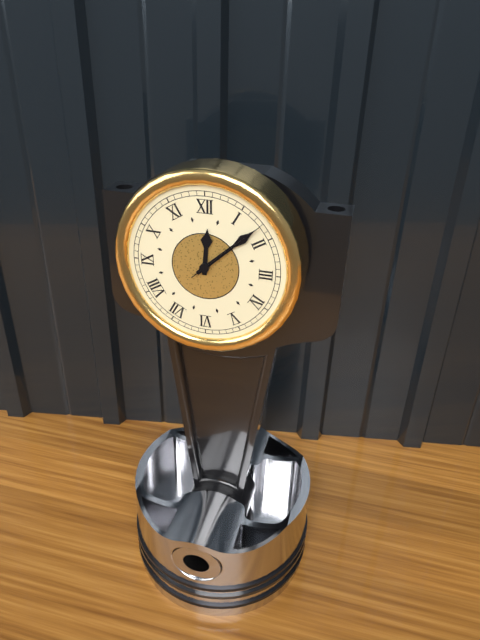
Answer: 12,08,08
